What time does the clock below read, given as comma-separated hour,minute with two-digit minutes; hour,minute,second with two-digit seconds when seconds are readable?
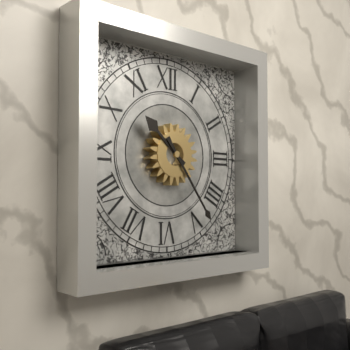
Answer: 10,24
